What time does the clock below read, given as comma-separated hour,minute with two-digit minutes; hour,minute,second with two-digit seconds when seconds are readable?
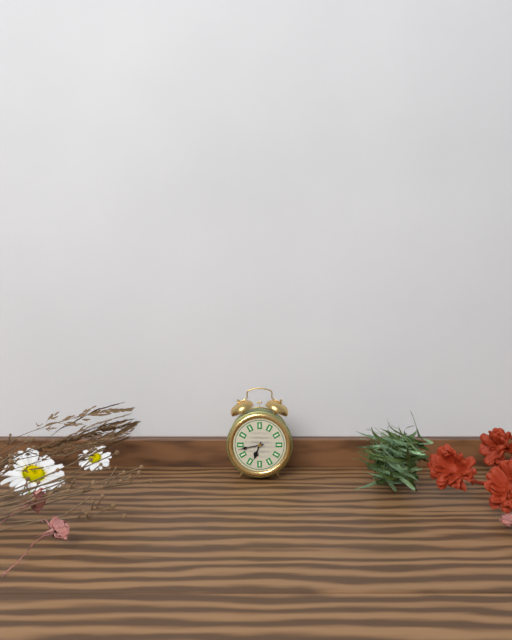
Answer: 6,43
